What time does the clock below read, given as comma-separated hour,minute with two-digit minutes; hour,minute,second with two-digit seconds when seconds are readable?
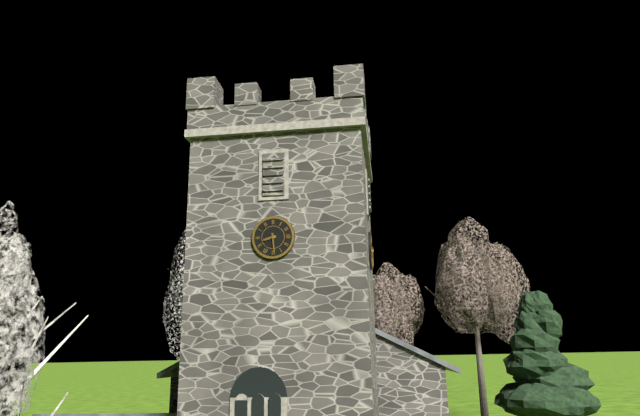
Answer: 8,29
